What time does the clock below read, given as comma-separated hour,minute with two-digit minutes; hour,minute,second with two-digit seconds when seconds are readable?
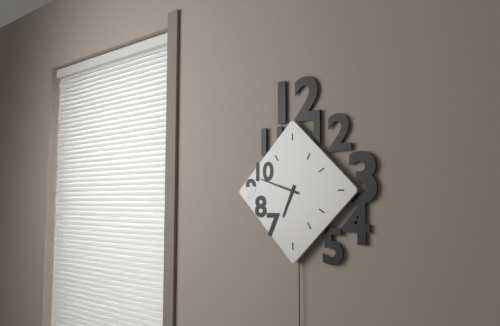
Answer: 6,48
